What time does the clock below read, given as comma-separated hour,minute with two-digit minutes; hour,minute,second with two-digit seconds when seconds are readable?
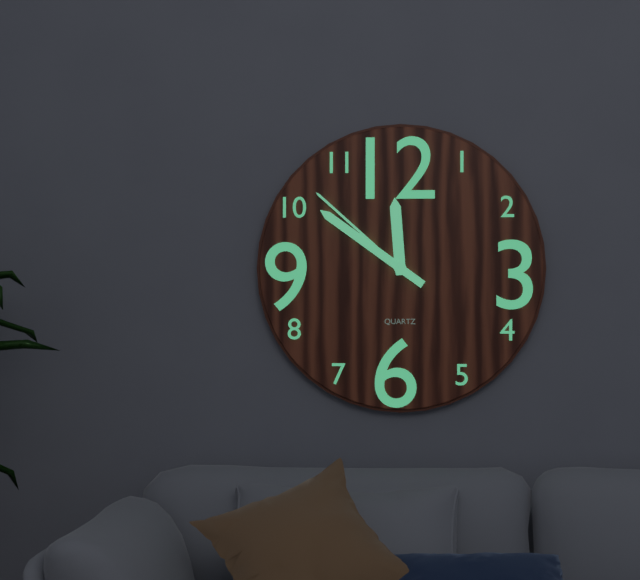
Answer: 11,51,52
